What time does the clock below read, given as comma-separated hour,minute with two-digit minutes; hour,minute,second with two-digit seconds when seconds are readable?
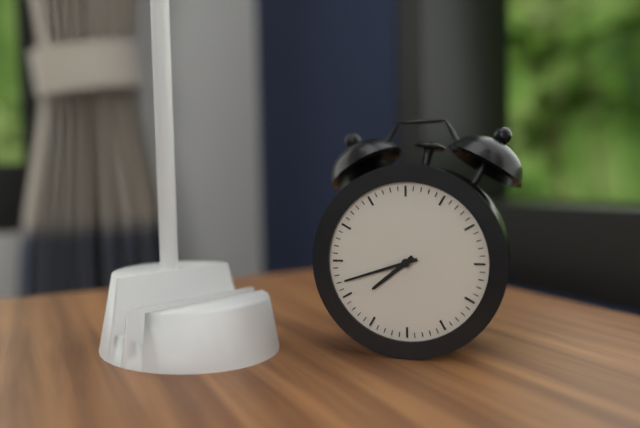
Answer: 7,42
